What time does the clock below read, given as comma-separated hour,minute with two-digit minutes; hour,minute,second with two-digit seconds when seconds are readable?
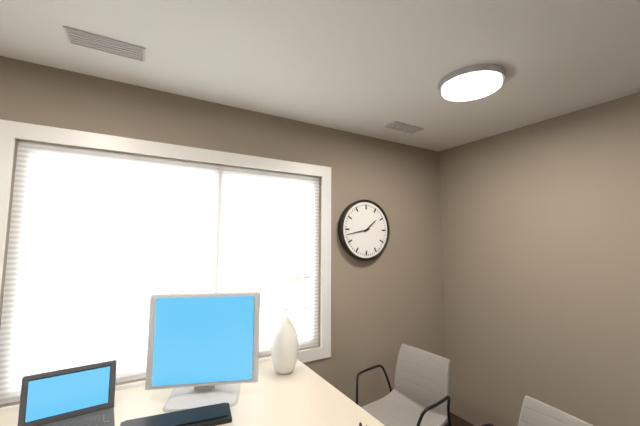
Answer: 1,43
